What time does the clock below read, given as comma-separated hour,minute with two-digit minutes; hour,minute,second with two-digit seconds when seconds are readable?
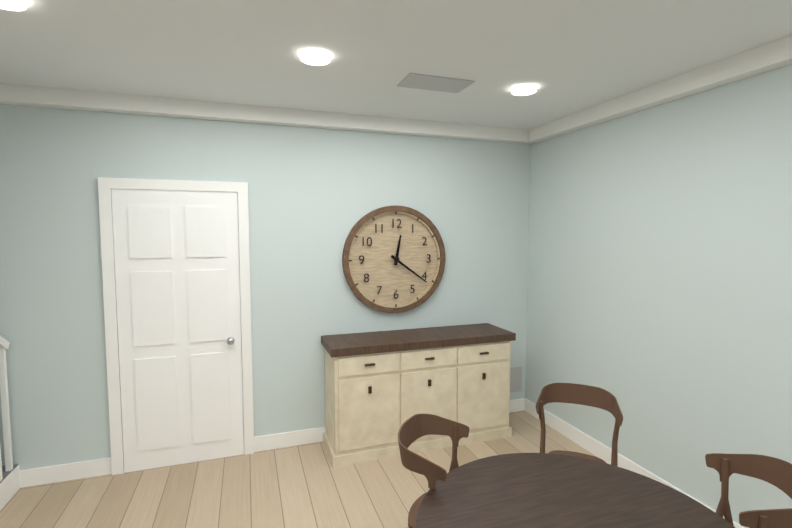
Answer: 12,21
